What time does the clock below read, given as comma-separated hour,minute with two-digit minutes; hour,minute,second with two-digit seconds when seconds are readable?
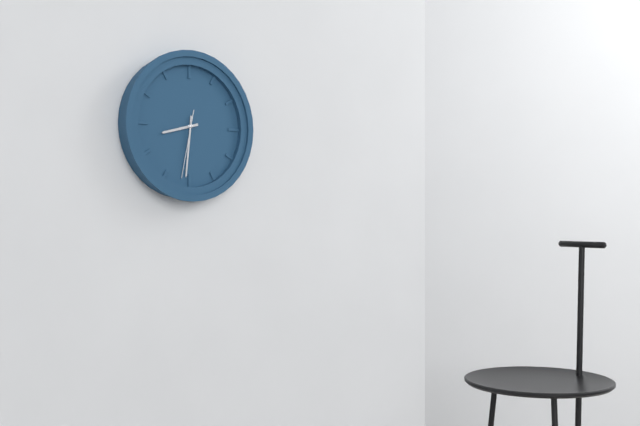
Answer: 8,31,32
